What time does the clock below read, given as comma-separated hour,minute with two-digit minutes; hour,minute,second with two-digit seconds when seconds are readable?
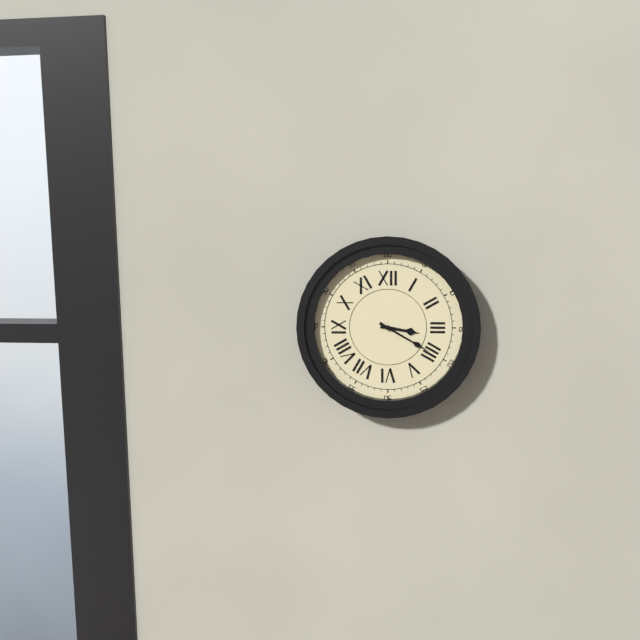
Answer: 3,20
